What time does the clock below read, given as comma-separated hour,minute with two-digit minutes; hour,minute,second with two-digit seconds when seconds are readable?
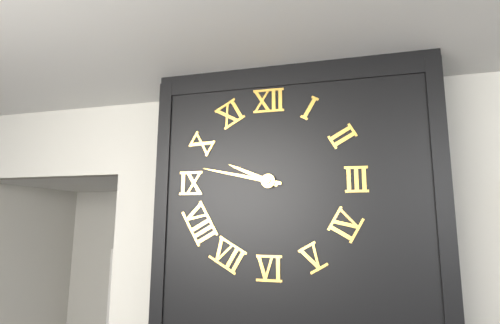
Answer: 9,47
